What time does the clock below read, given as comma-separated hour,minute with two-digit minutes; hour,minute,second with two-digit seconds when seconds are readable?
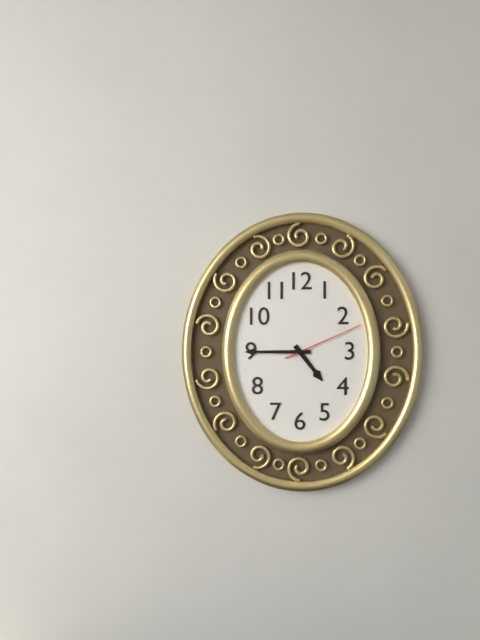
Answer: 4,45,11
